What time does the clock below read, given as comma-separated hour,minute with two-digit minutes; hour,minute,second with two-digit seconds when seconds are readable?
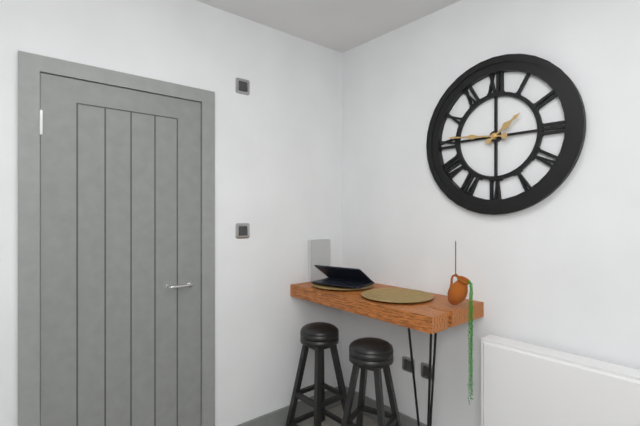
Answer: 1,46
